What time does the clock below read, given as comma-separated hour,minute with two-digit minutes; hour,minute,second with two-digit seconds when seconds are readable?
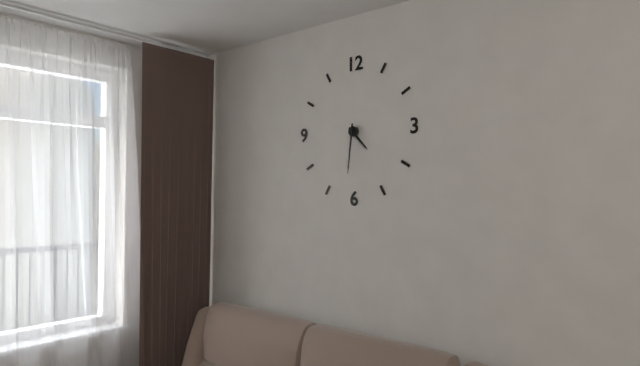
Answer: 4,31
